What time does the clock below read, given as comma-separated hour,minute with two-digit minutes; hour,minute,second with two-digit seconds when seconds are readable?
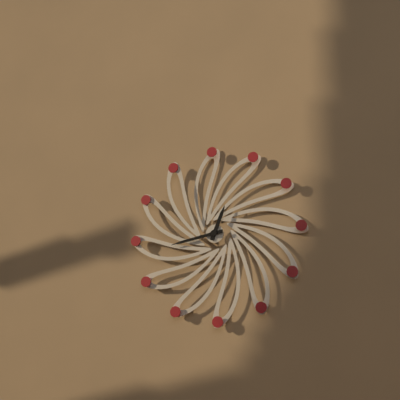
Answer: 12,43
